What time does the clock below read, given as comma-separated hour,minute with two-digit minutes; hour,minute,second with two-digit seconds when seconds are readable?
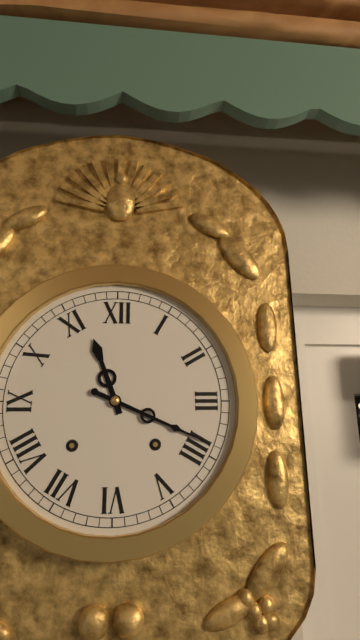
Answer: 11,19
